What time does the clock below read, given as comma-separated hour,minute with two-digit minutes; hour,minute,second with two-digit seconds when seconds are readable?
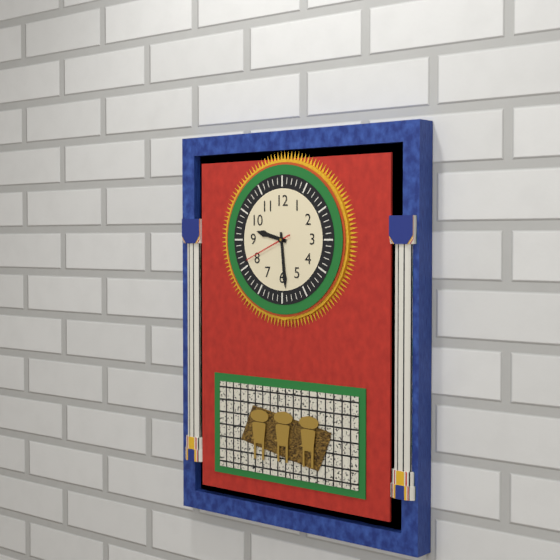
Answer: 9,29,41
